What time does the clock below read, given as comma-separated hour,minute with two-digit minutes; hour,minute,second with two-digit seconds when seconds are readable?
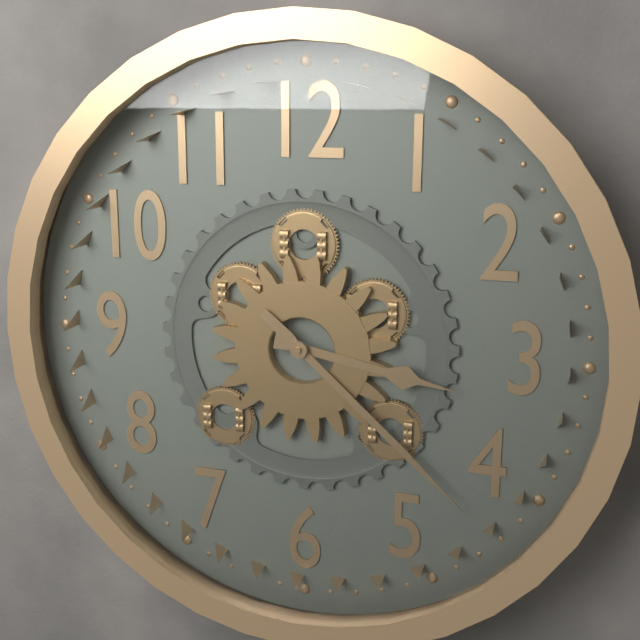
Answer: 3,22
